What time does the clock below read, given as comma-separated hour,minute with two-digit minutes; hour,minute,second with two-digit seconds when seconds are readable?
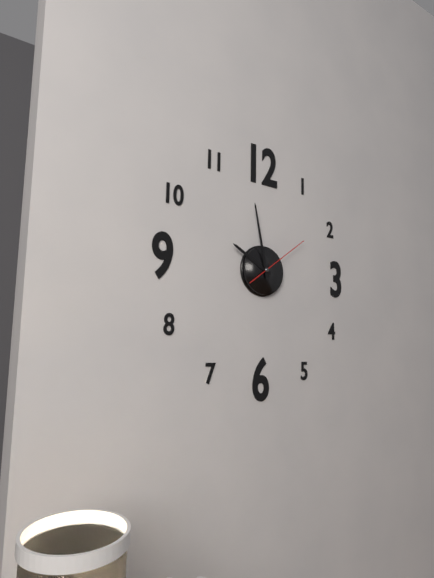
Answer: 9,58,09
